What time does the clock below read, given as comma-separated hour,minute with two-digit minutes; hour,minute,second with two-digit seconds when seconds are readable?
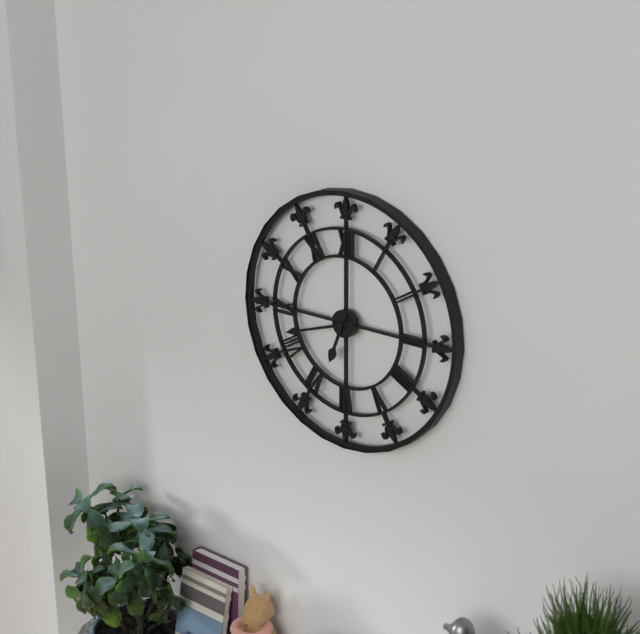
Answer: 6,42
